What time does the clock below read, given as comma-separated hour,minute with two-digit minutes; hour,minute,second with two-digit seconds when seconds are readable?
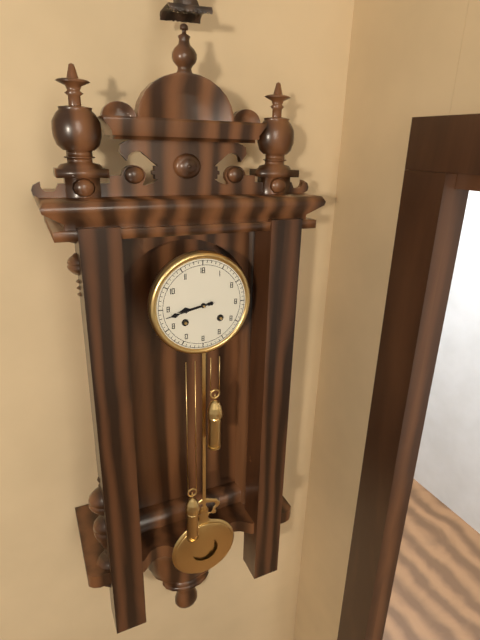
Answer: 8,43
